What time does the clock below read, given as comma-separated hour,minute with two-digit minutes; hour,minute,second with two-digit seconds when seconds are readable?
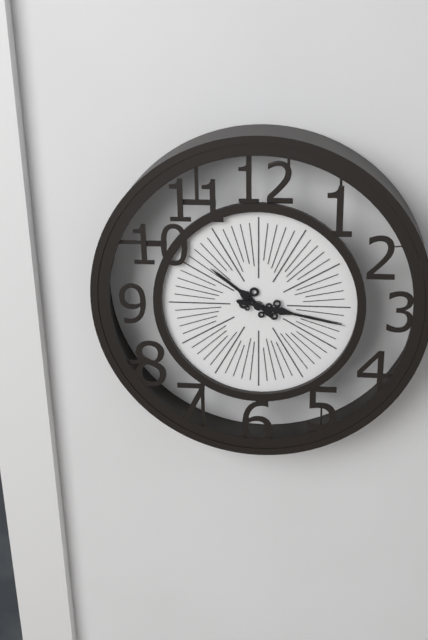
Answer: 10,17
